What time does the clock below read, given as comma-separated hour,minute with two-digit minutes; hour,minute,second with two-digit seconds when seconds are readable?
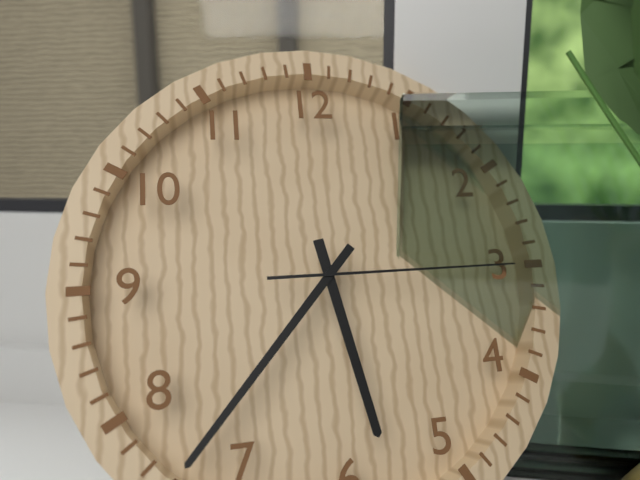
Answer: 5,37,15
